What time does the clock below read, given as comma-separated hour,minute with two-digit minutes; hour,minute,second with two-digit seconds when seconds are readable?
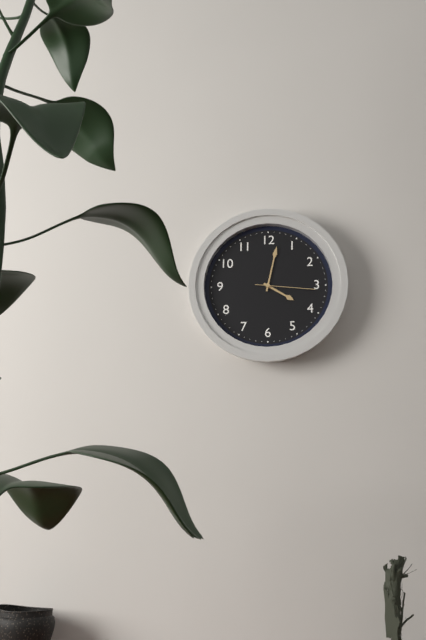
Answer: 4,02,16
